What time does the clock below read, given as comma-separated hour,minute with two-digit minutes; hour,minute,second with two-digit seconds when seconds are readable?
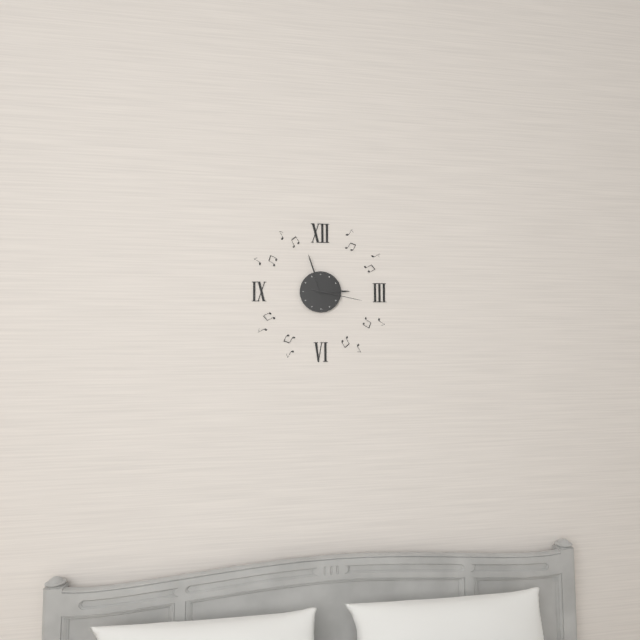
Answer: 2,57,17
